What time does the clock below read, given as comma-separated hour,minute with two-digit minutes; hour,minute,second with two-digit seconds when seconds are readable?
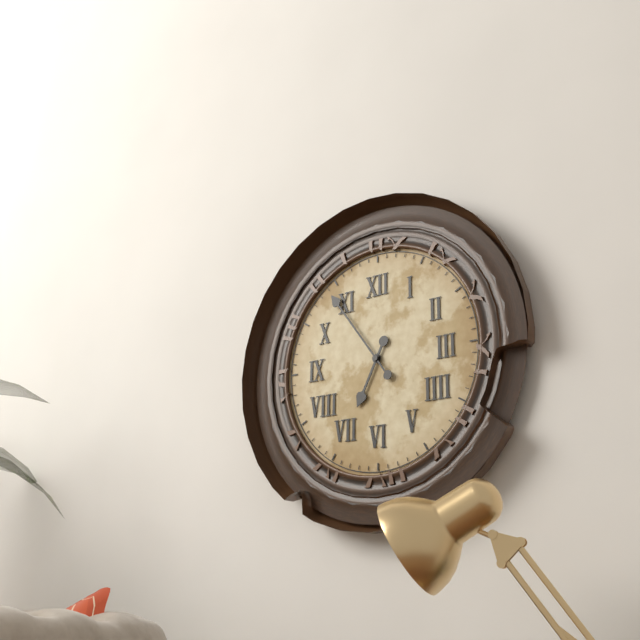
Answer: 6,54
